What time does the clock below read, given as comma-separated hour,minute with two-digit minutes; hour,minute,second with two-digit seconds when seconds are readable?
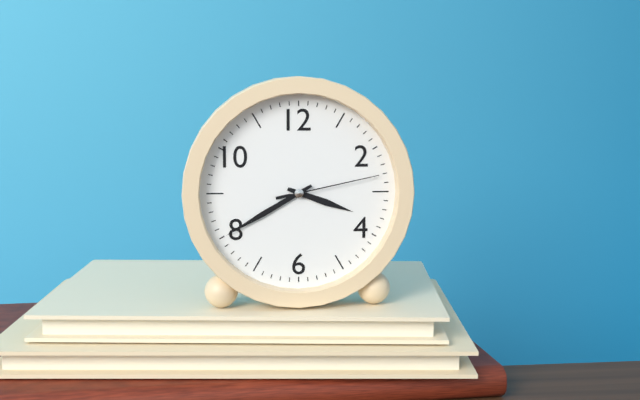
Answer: 3,40,13
